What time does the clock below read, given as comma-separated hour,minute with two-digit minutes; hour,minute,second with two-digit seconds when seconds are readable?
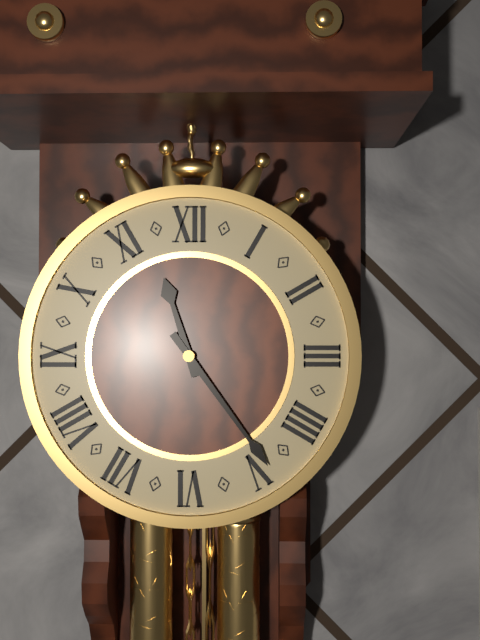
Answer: 11,24
